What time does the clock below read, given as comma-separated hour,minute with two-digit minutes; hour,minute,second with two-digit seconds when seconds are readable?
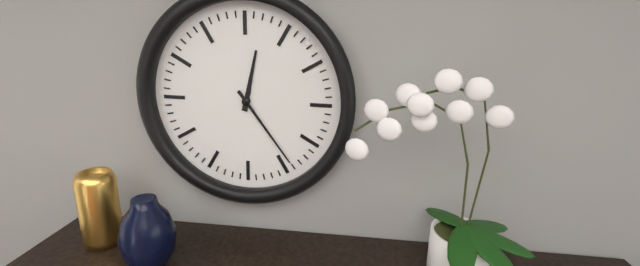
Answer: 12,24
